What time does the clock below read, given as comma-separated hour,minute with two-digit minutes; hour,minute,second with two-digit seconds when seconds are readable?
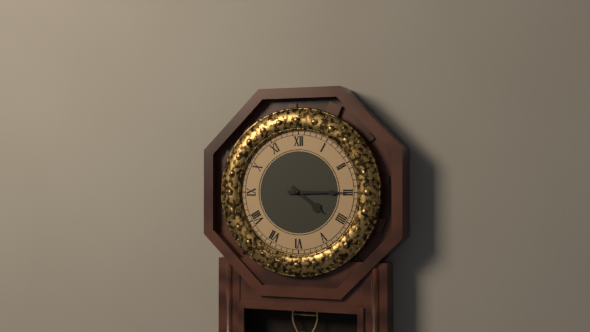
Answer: 4,15
